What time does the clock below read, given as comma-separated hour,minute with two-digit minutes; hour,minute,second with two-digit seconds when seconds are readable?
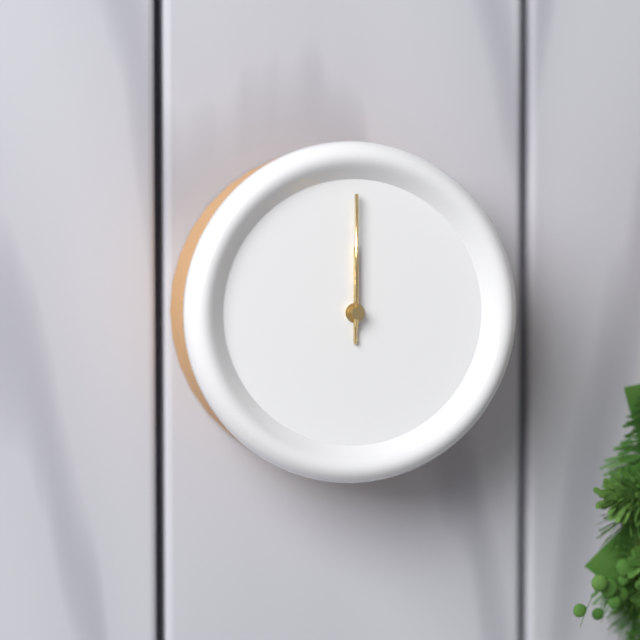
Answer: 12,00
